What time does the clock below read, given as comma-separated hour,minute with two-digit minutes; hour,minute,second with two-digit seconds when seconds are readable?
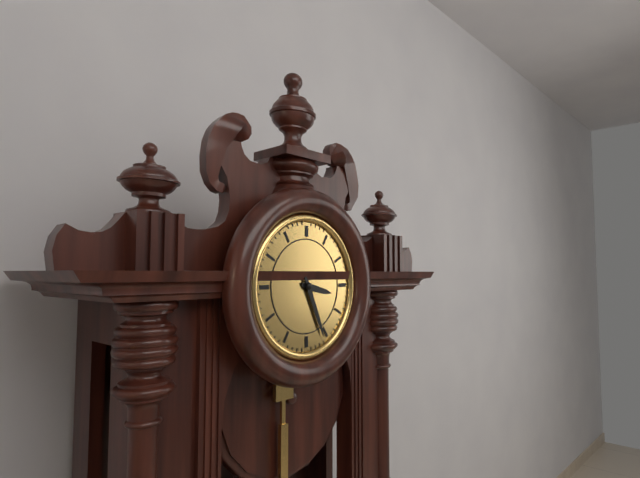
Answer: 3,26
